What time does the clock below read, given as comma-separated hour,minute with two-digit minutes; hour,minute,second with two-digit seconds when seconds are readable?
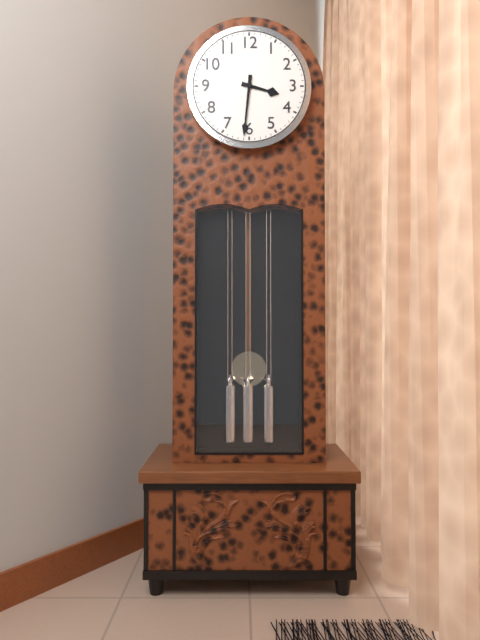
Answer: 3,31
